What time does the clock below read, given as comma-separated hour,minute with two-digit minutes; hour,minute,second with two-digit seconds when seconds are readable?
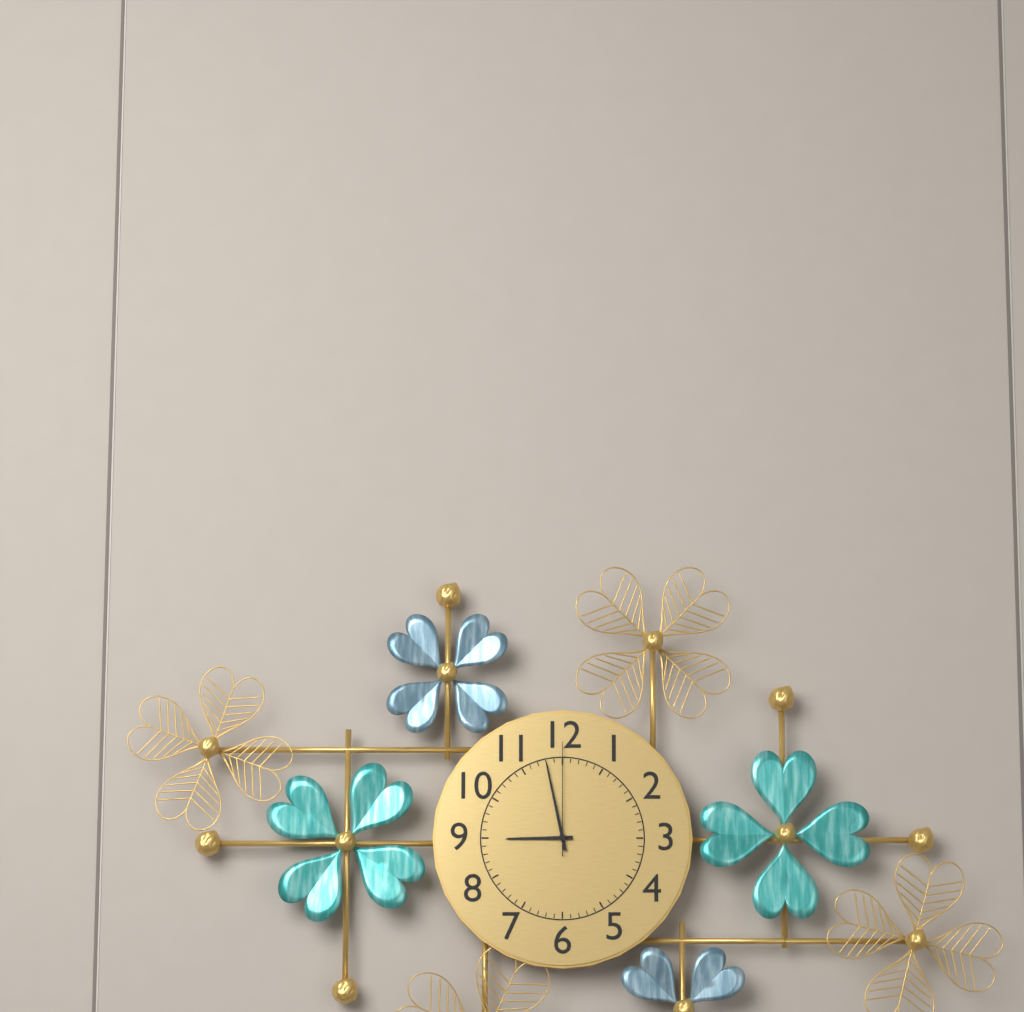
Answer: 8,58,00
